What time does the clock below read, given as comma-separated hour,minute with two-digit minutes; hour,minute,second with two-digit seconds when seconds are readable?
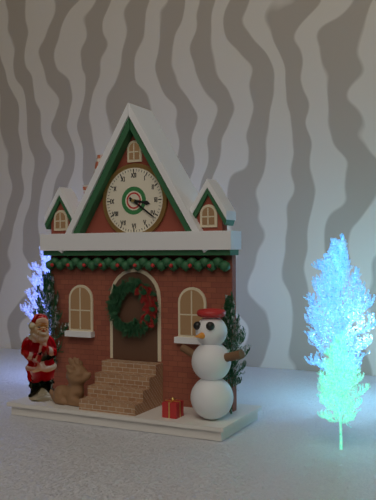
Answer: 3,21
